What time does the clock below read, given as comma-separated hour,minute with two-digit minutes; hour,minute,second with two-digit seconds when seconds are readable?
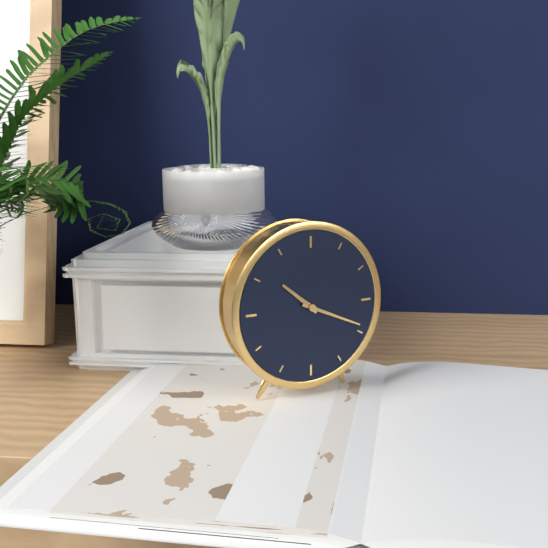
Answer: 10,19
